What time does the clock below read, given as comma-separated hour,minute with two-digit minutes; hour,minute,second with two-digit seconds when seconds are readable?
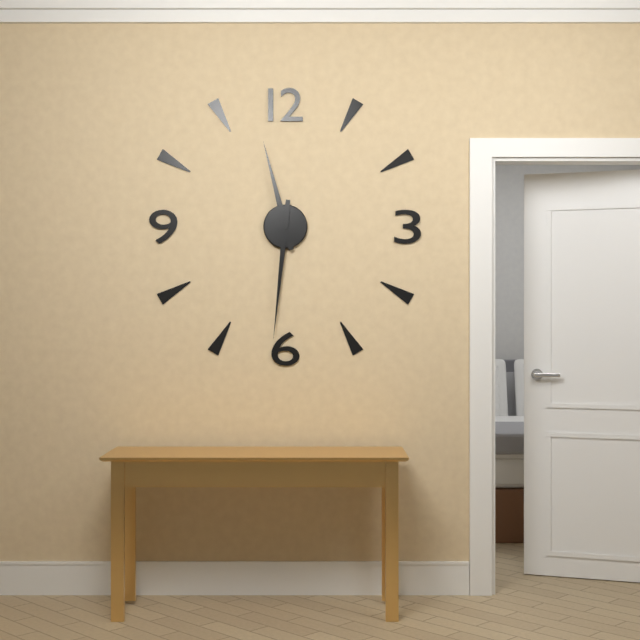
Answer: 11,31
